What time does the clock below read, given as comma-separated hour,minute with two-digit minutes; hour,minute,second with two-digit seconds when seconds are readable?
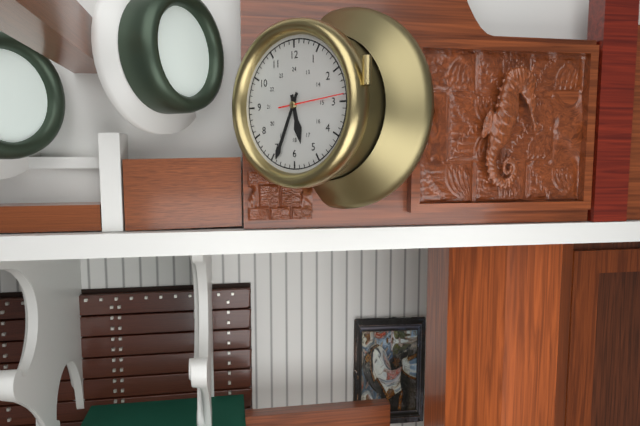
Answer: 5,34,14
